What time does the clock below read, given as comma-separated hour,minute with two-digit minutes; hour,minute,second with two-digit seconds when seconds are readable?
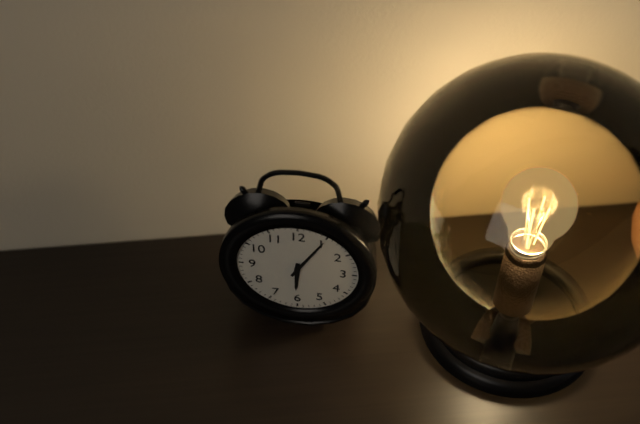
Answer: 6,05
